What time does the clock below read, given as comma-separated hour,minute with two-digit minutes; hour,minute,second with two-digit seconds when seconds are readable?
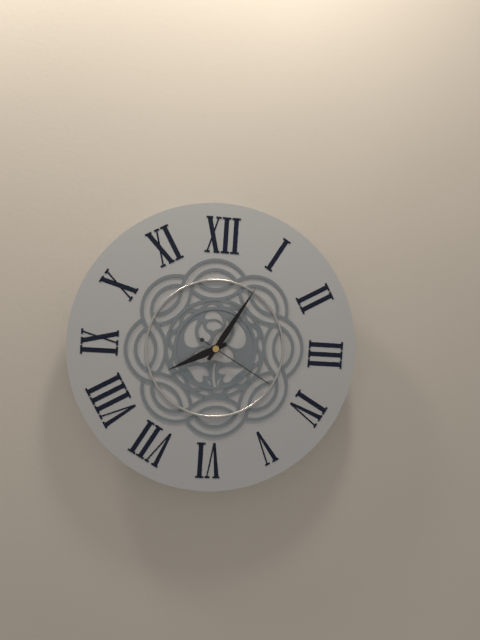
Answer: 8,05,20
